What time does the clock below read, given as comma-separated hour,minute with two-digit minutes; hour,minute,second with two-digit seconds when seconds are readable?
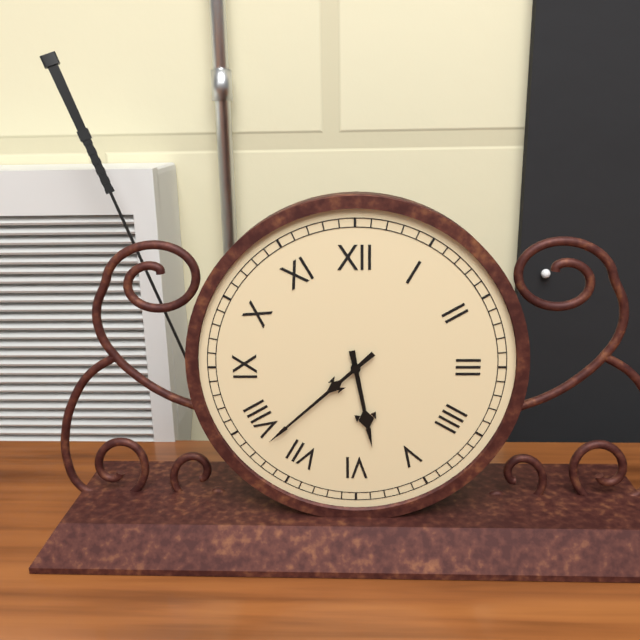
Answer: 5,38
